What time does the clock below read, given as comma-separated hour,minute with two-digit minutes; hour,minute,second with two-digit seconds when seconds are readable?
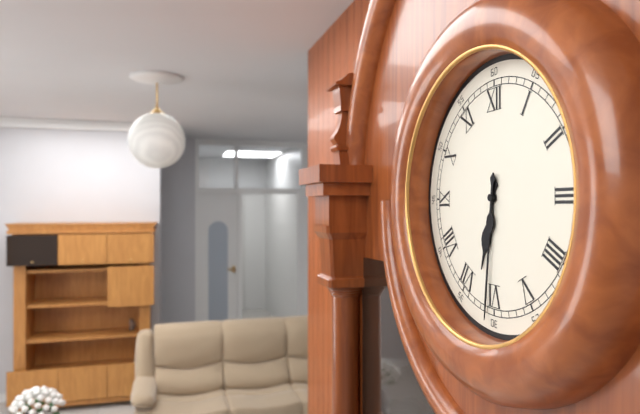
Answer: 6,31
